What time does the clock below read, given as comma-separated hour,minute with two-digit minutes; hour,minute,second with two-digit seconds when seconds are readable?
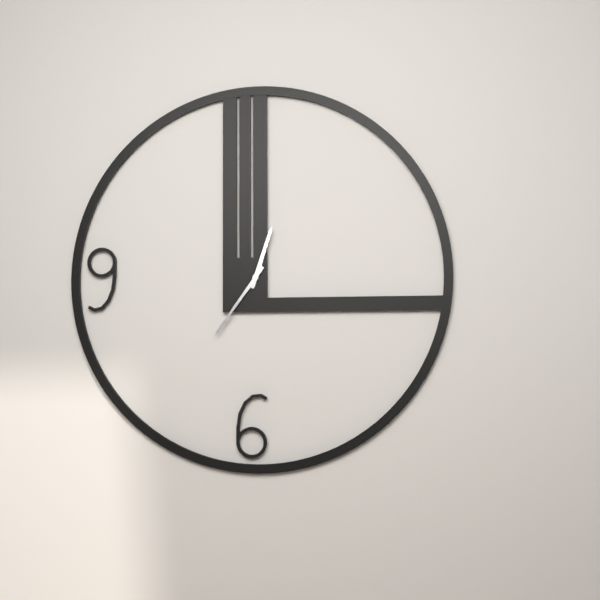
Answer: 12,36
